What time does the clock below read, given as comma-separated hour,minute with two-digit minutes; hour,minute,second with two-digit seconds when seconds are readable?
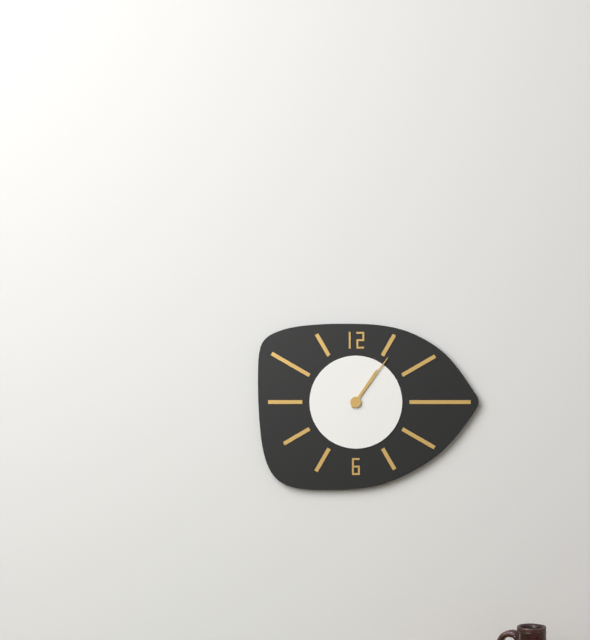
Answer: 1,06
